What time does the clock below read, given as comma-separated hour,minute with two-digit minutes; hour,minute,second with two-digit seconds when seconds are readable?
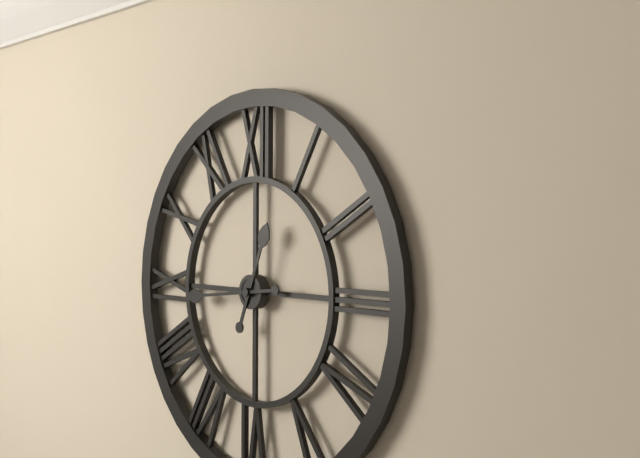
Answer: 12,44
